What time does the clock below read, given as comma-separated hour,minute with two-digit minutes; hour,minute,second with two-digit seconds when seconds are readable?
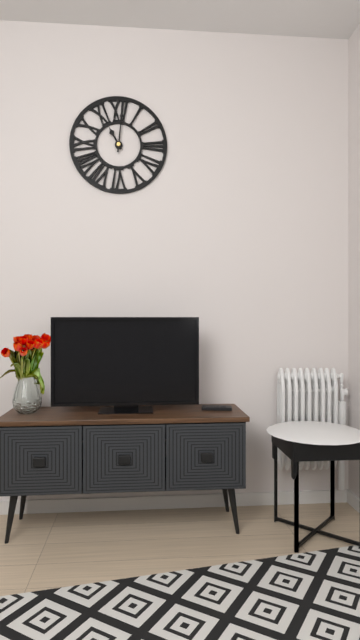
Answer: 11,01
